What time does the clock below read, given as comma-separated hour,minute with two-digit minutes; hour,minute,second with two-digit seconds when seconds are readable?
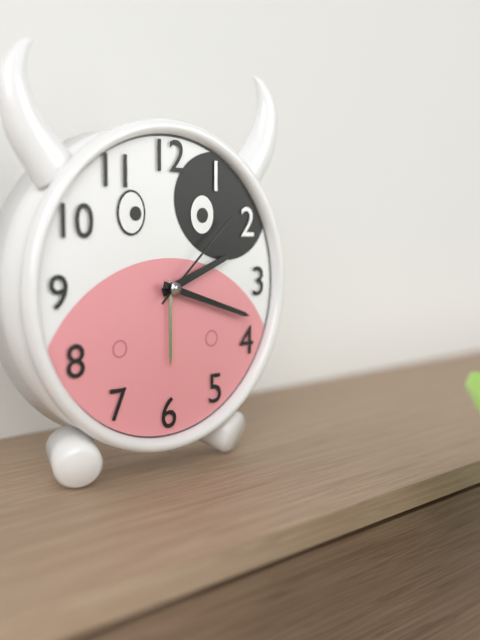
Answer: 2,18,08
